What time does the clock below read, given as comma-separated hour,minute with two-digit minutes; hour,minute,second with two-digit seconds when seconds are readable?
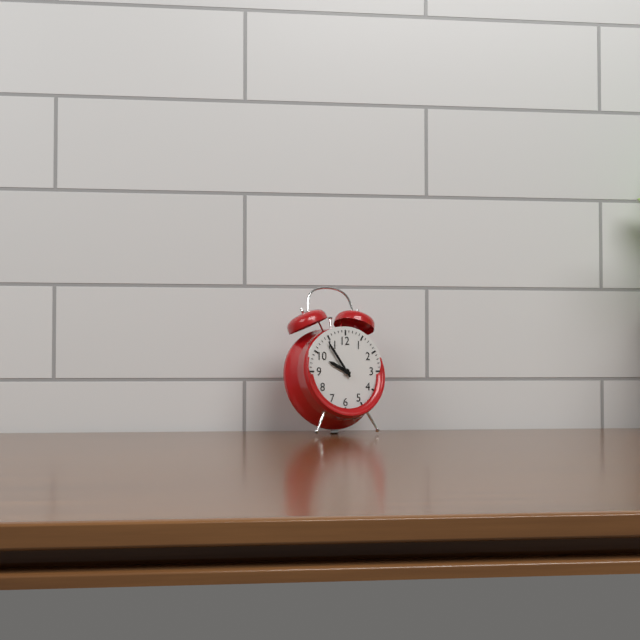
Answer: 9,54
